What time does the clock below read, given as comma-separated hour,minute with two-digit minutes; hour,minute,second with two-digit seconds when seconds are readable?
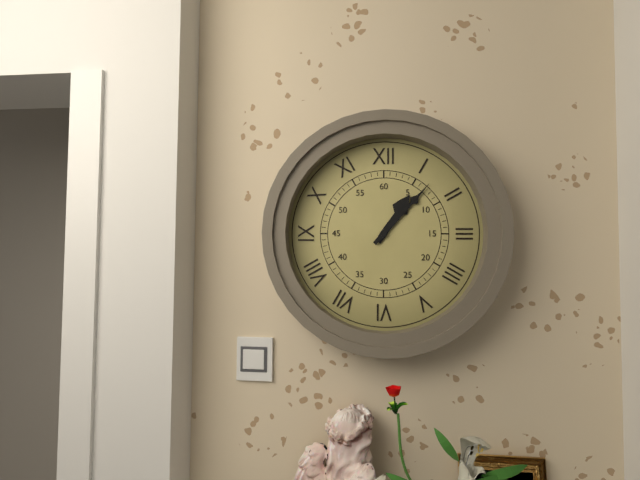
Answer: 1,07
